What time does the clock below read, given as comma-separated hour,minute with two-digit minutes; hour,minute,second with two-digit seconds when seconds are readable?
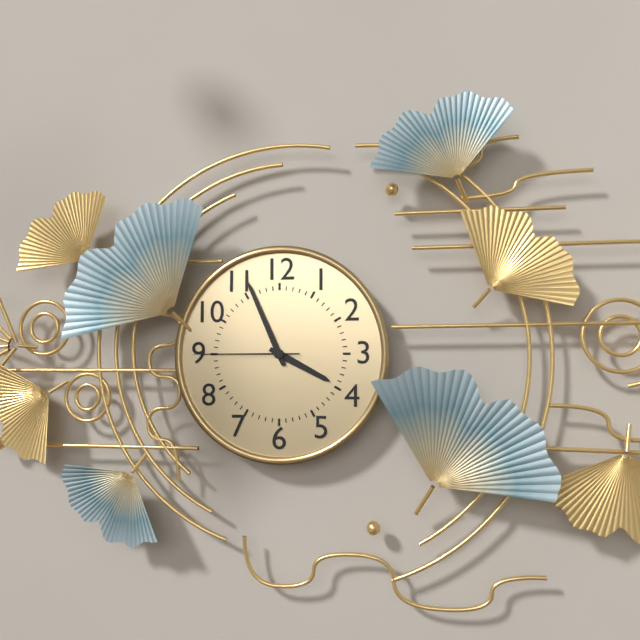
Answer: 3,56,45
